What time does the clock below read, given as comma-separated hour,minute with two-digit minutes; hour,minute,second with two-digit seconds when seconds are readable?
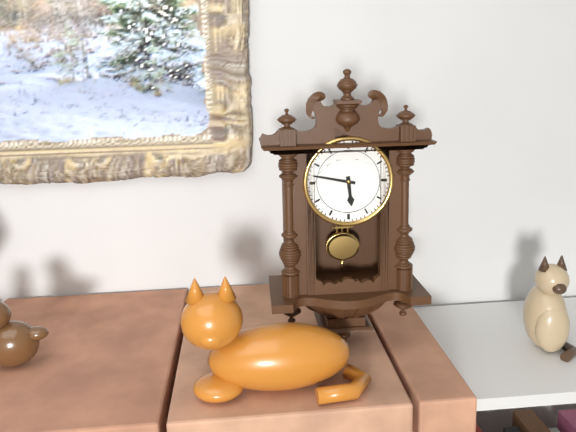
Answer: 5,47
